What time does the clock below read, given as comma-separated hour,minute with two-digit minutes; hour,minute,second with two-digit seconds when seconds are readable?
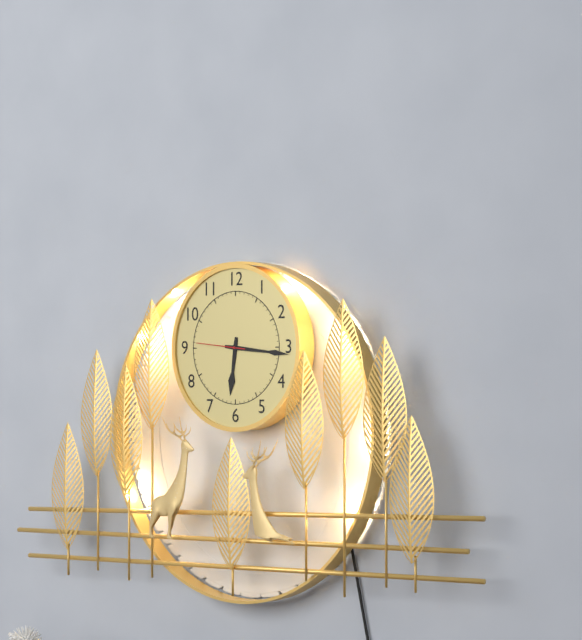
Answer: 6,16,46
